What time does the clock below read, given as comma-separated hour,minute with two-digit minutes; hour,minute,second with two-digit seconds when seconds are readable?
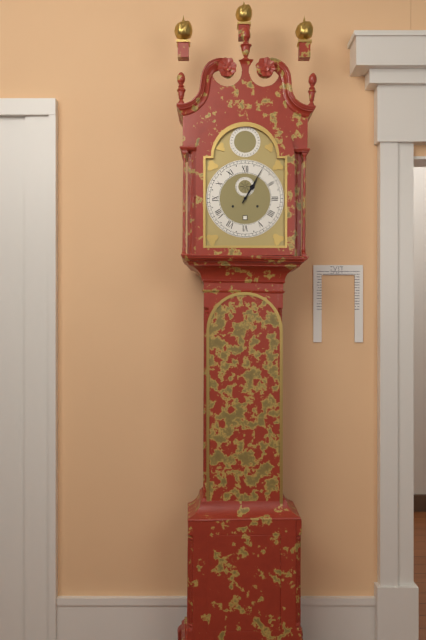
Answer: 1,05
